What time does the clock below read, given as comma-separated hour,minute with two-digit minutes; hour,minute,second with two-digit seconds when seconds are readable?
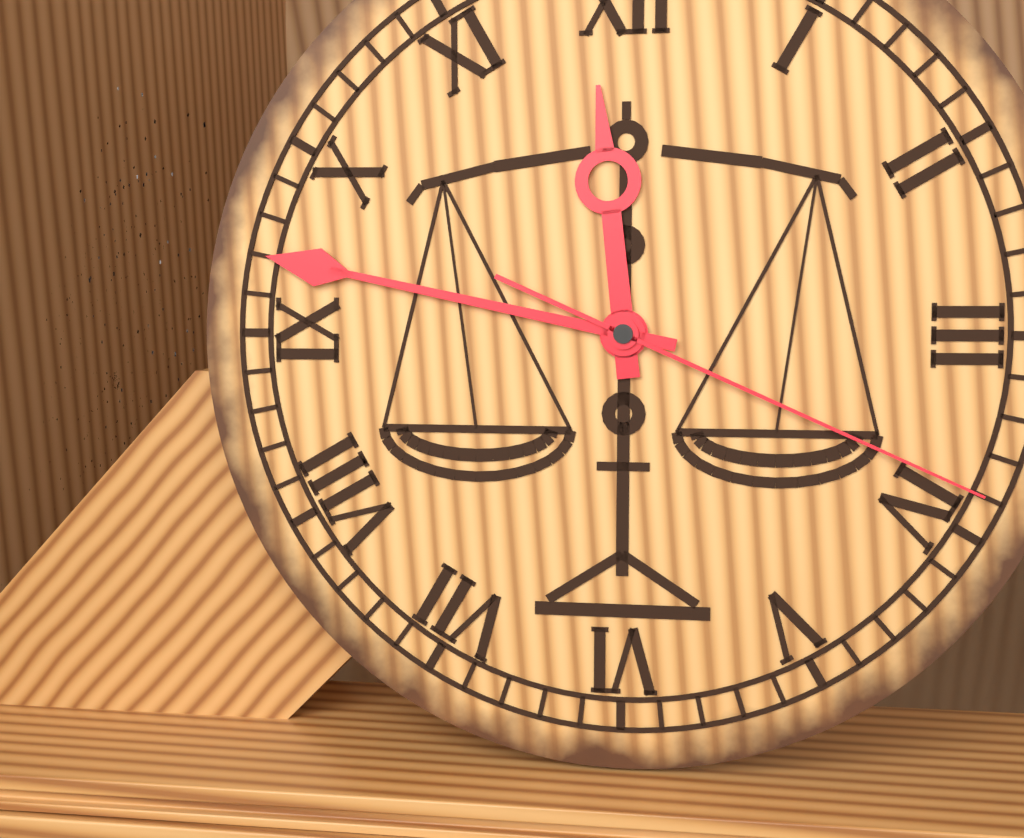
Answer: 11,47,19
